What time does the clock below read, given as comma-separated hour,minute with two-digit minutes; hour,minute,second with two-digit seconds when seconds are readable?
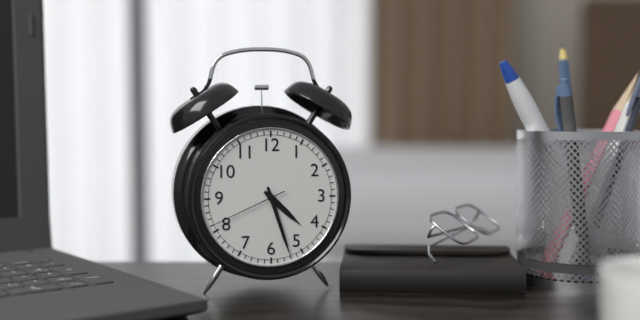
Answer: 4,27,41
